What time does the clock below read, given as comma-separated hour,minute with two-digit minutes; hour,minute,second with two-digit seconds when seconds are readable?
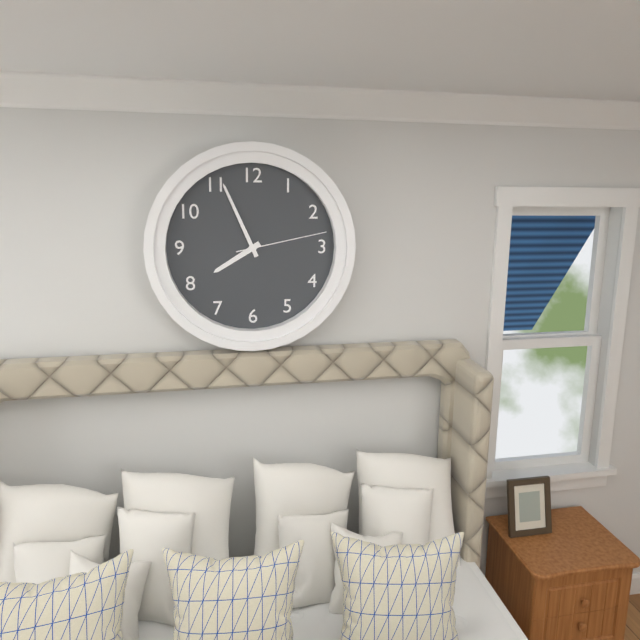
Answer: 7,56,13
